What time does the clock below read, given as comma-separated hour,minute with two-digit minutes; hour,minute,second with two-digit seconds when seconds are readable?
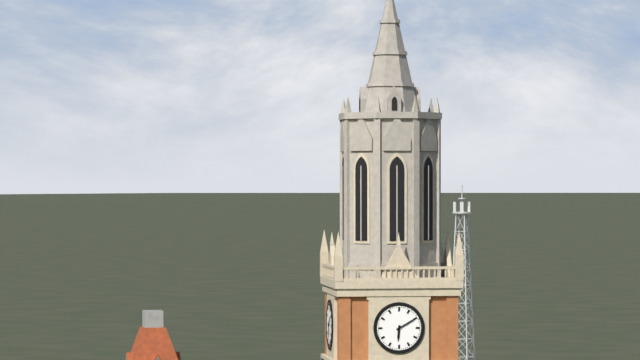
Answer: 6,10
